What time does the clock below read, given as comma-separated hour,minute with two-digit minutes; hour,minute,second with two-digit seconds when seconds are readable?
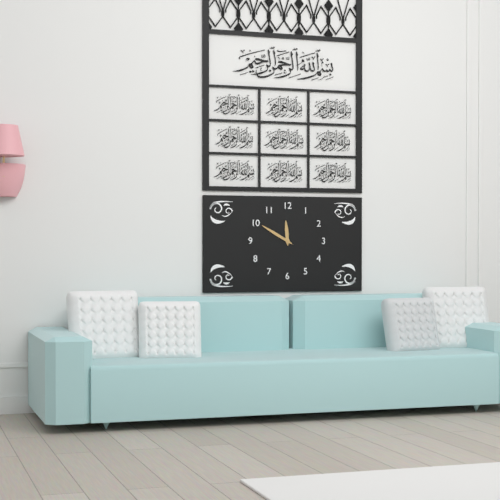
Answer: 11,50
